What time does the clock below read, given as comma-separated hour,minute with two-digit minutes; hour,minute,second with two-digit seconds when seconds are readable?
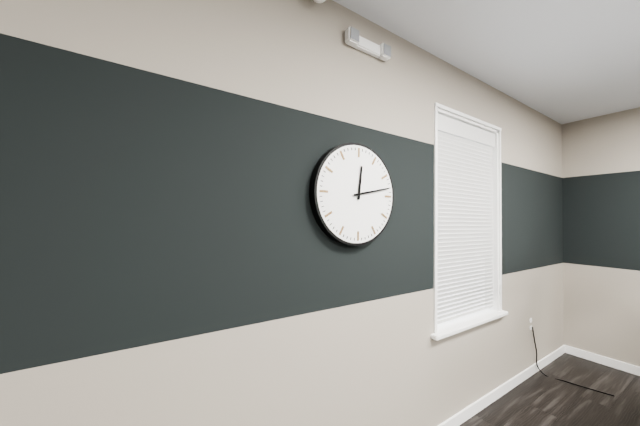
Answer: 12,13
